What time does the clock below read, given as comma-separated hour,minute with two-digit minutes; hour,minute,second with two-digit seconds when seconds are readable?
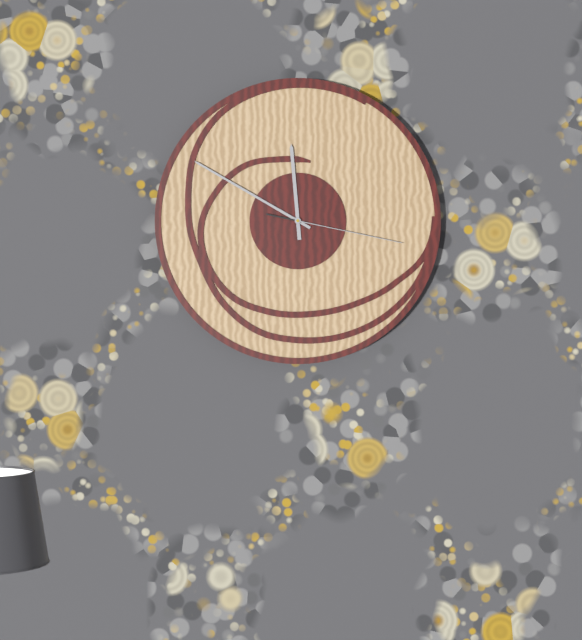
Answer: 11,50,17
